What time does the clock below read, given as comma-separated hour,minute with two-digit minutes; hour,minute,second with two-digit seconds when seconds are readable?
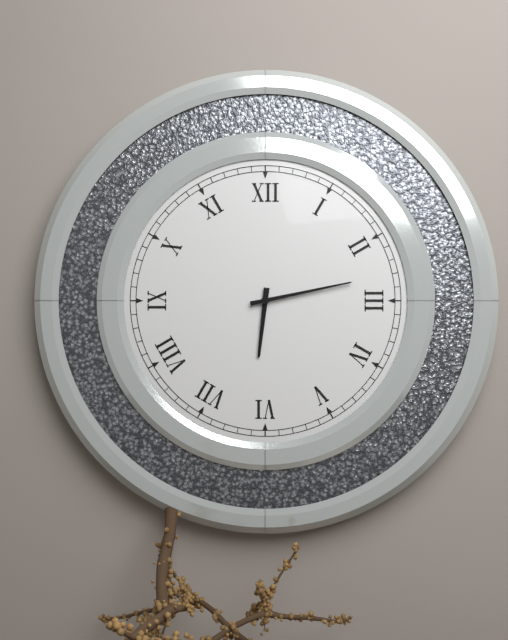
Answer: 6,13
